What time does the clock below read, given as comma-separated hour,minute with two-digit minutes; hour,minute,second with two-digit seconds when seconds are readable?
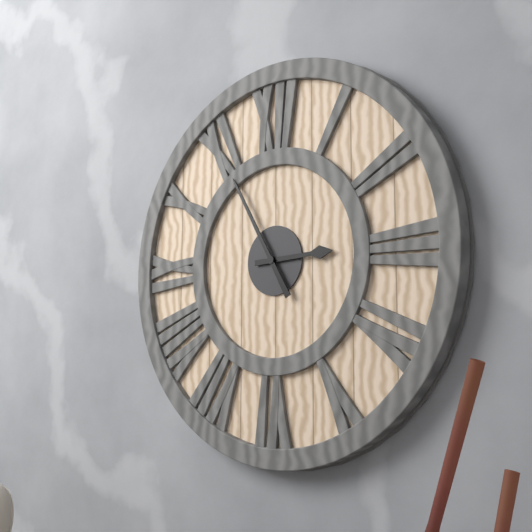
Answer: 2,55
